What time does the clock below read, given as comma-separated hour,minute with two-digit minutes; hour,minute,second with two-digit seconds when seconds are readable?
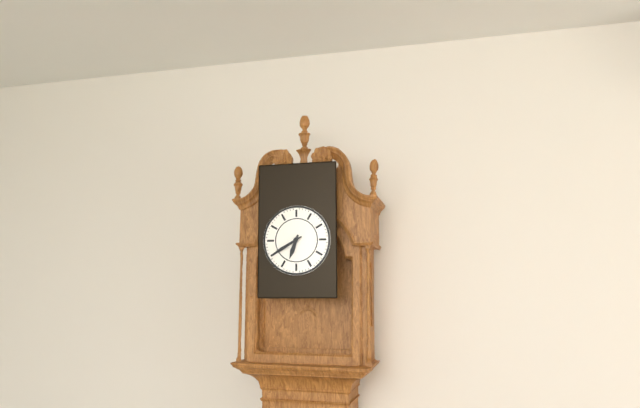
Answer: 6,40
